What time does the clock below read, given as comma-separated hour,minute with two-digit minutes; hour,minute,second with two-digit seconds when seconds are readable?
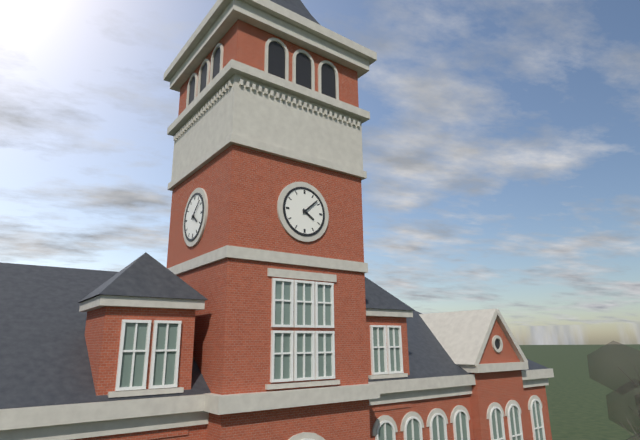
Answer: 4,08
